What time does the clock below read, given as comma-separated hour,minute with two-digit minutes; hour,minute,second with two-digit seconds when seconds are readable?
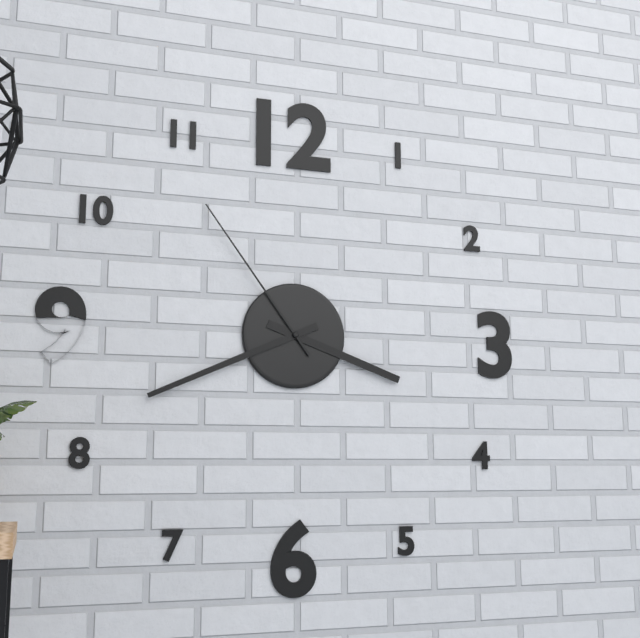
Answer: 3,41,54
